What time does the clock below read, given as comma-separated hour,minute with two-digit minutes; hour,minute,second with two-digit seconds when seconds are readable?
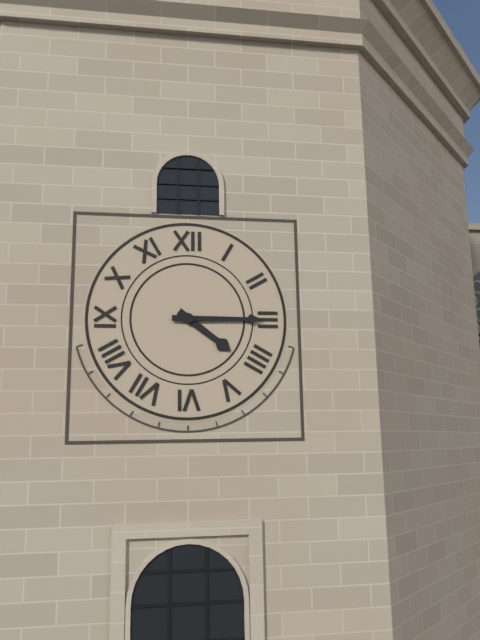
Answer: 4,15
